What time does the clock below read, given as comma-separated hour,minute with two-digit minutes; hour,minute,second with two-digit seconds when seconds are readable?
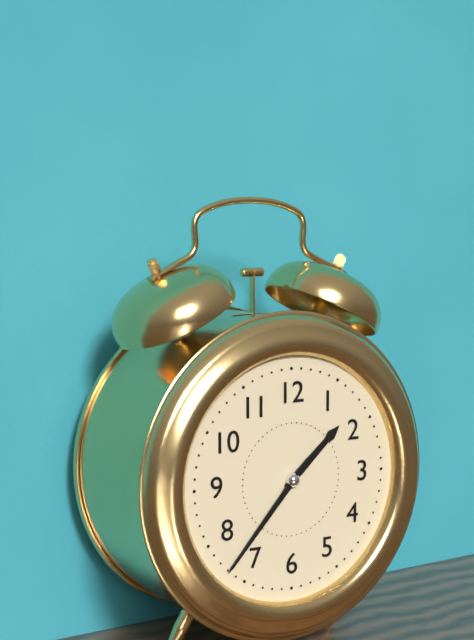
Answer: 1,37
